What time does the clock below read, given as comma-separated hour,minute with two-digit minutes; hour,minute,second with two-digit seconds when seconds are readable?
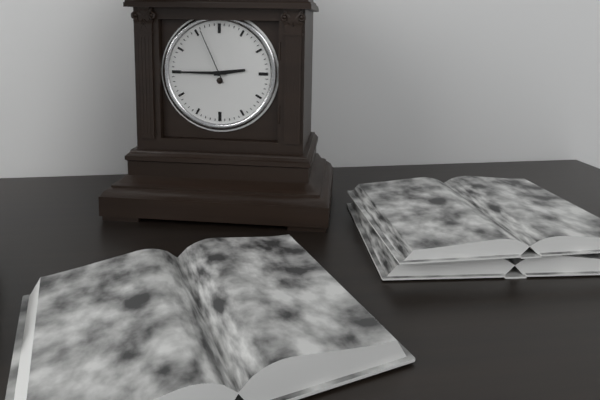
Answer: 2,45,56
